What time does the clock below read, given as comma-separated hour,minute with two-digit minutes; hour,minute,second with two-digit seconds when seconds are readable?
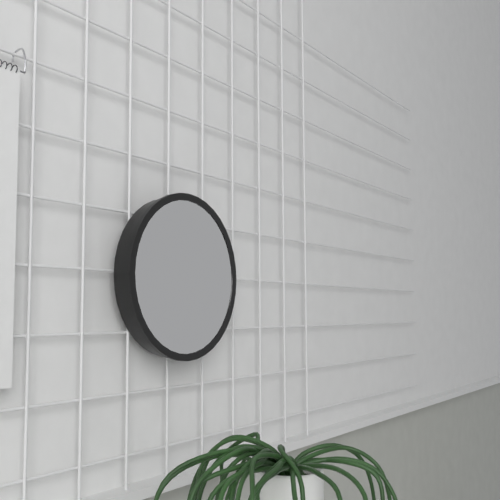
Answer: 3,42
